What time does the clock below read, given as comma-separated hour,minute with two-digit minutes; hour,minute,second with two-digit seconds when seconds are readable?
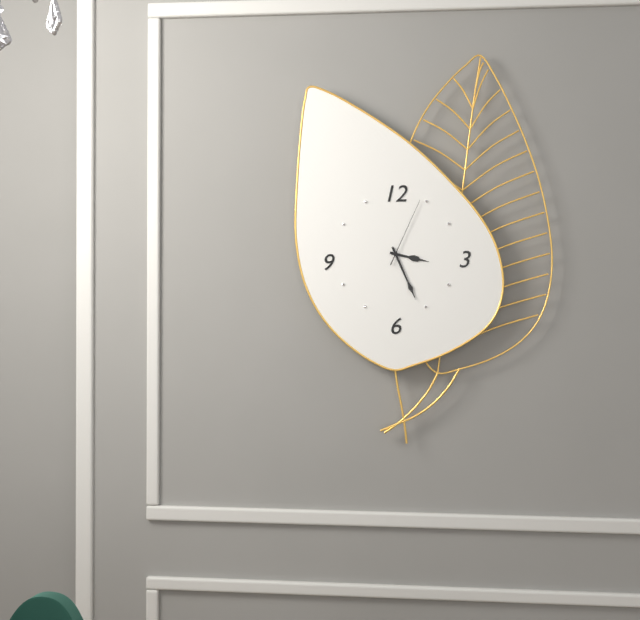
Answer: 3,26,04
